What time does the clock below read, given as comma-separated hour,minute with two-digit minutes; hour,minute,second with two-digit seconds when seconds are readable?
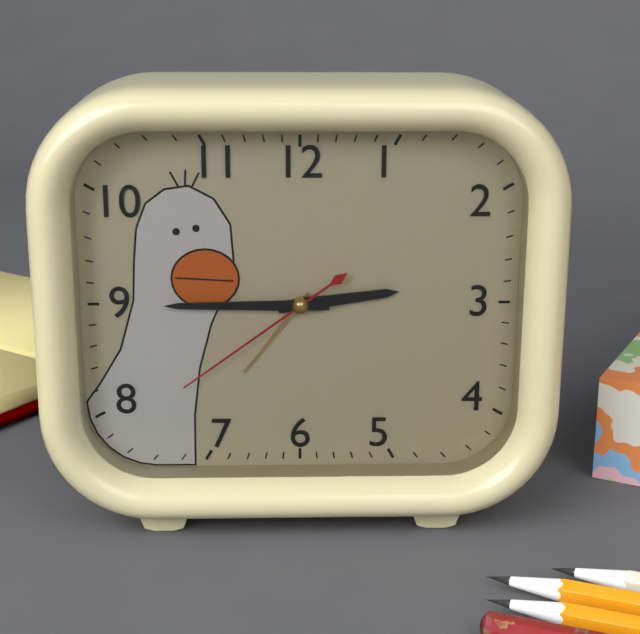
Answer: 2,45,39
